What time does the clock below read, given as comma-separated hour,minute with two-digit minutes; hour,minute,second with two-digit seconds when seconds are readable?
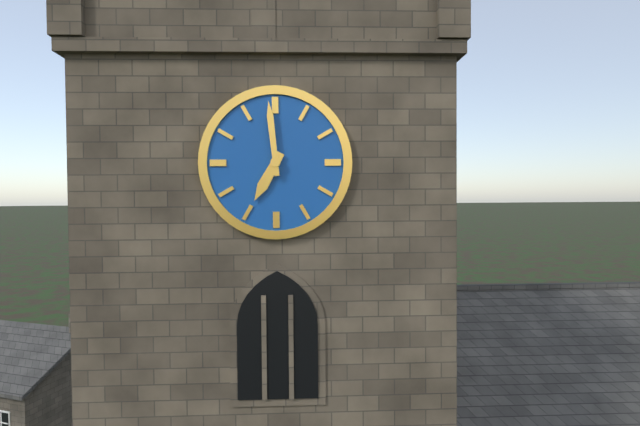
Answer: 6,59
